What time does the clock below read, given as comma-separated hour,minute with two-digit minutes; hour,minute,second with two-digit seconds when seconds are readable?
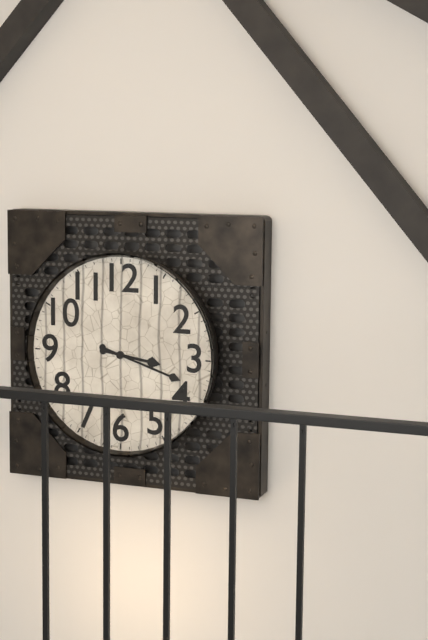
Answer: 3,18
